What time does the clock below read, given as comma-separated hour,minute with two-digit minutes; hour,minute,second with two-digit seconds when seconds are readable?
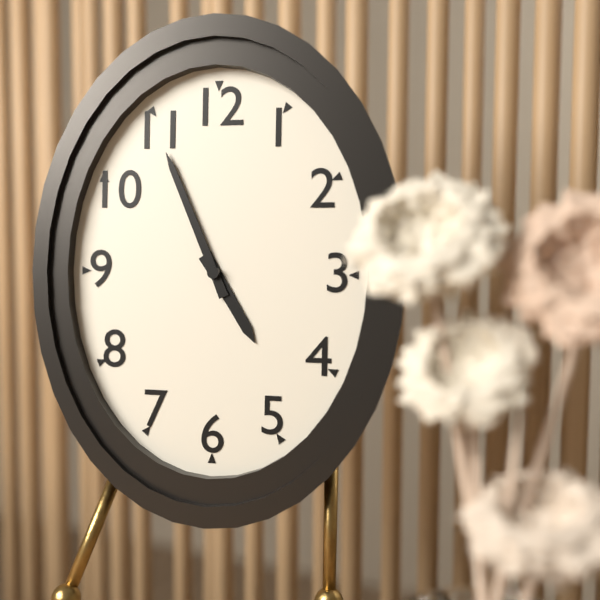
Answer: 4,56
